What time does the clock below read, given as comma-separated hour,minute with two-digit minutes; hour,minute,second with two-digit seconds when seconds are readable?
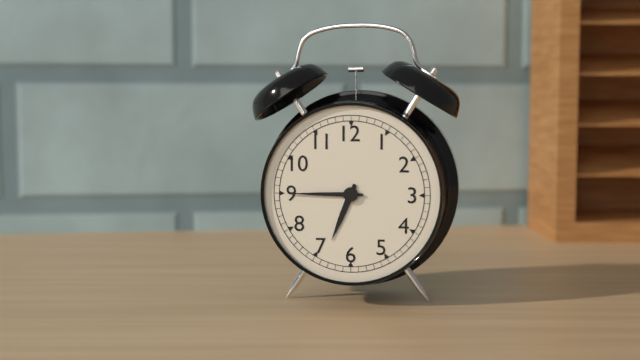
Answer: 6,45
